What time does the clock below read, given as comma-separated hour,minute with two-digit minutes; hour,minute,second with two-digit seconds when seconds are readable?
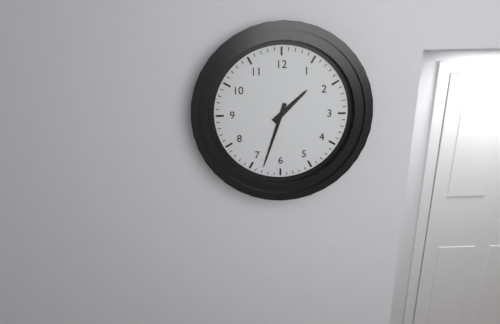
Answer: 1,33
